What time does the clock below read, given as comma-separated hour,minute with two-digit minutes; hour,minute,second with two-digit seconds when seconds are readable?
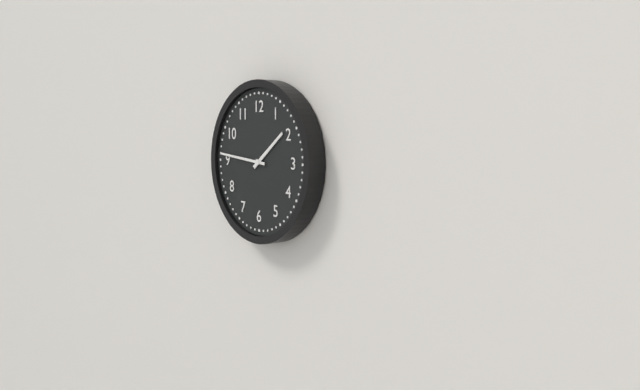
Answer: 1,46
